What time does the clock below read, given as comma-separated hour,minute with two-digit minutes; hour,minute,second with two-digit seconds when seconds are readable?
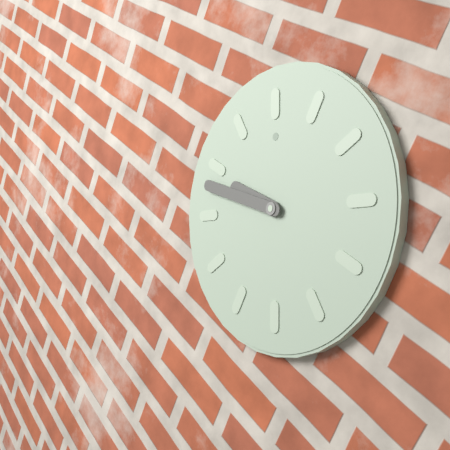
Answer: 9,48
